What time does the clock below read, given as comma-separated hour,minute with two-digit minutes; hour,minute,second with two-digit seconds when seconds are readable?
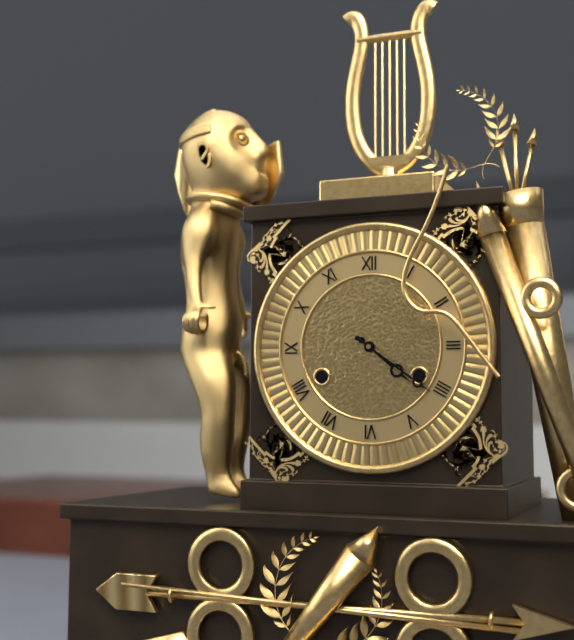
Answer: 4,21
